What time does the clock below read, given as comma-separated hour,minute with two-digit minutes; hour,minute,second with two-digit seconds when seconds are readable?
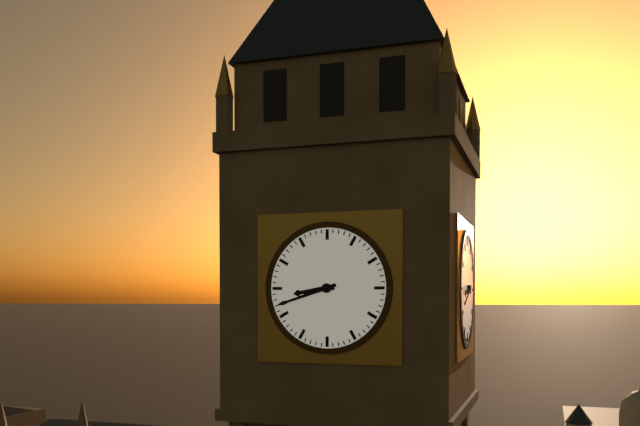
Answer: 8,42
